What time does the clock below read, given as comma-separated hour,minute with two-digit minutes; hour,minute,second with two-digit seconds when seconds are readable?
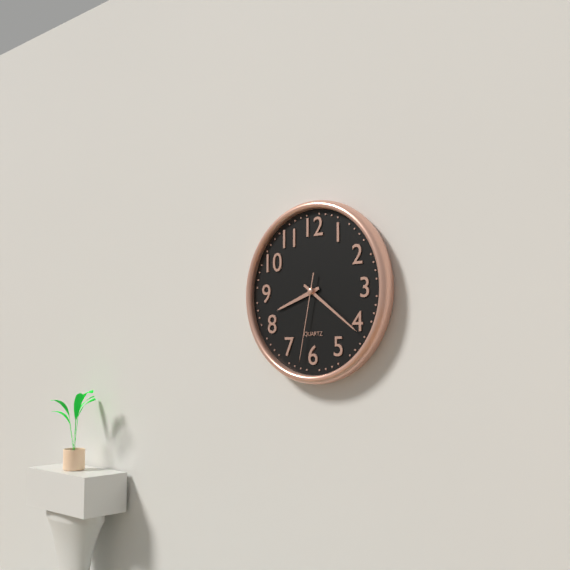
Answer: 8,21,32
